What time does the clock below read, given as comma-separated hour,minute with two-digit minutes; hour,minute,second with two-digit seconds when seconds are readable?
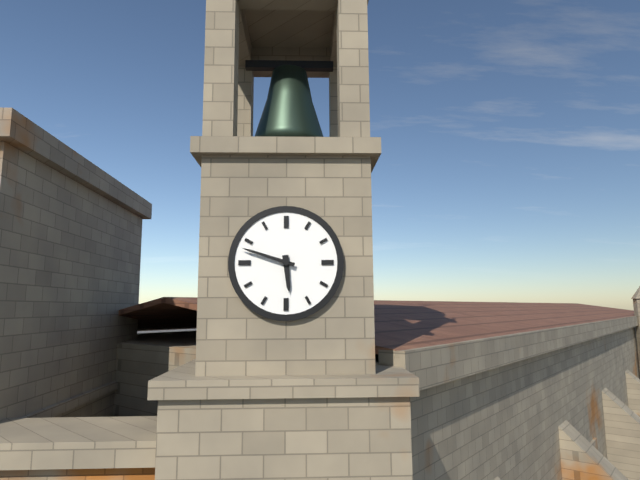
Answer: 5,48
